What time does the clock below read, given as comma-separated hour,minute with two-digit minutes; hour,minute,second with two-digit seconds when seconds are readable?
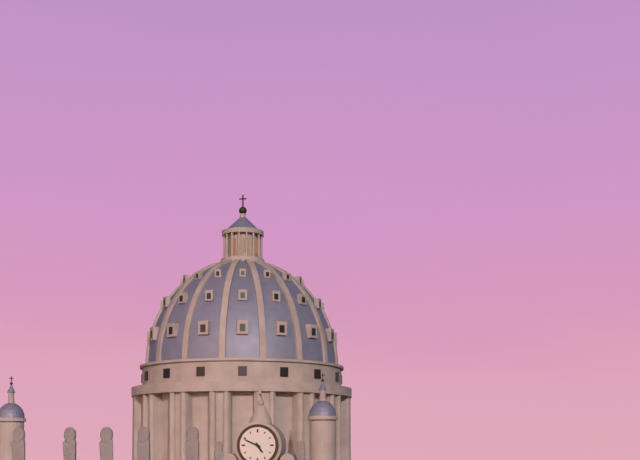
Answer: 4,49
